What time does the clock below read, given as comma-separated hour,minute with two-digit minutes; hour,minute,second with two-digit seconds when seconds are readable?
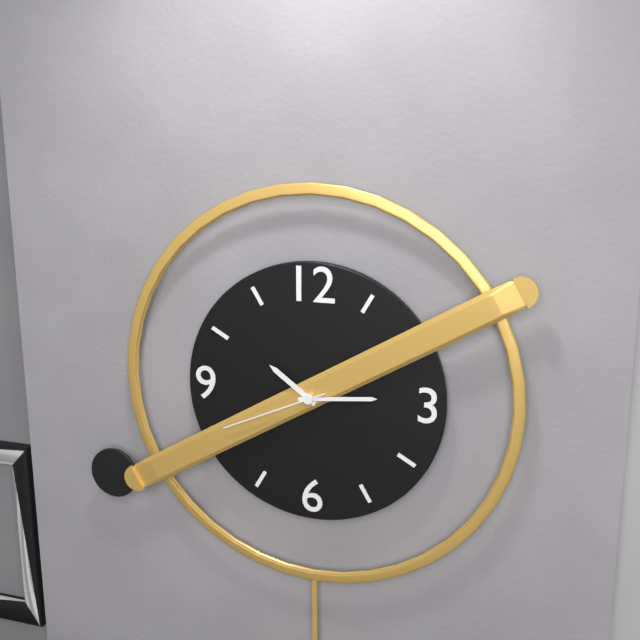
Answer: 10,14,41
